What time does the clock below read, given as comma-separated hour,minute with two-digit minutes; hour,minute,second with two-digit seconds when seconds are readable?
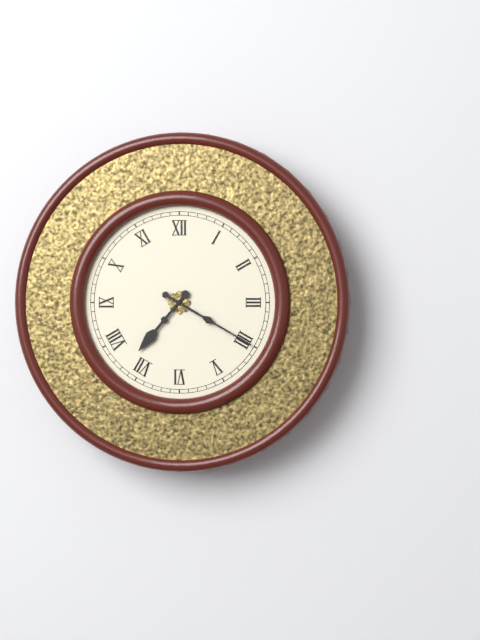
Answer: 7,20
